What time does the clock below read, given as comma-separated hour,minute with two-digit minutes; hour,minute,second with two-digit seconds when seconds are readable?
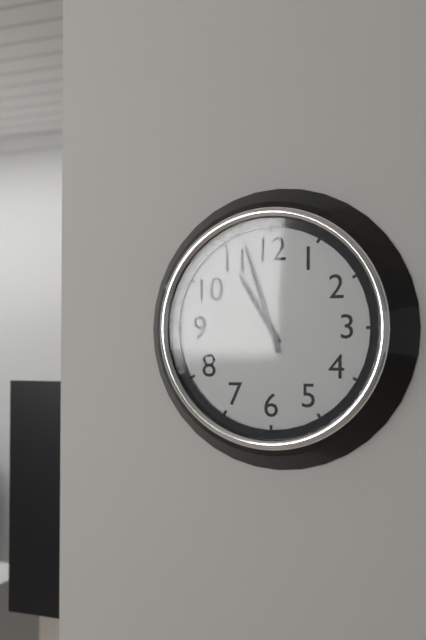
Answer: 10,57
